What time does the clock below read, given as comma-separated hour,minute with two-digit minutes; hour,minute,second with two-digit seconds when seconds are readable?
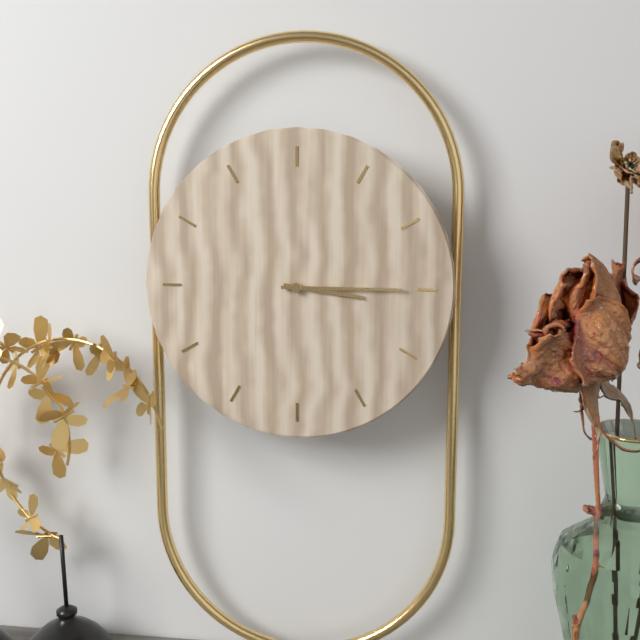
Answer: 3,15
